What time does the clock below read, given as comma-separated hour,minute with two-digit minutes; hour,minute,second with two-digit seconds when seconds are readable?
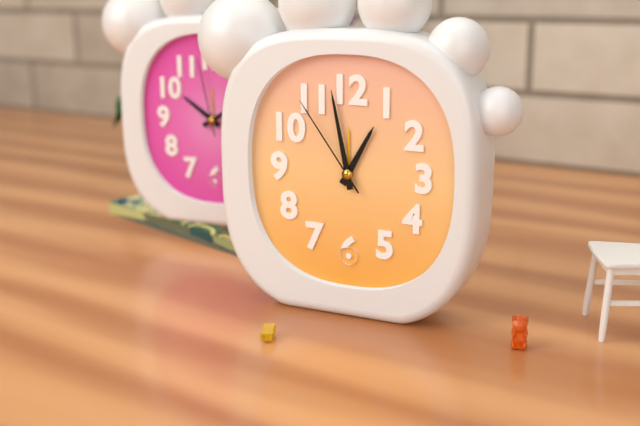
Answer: 12,58,54
